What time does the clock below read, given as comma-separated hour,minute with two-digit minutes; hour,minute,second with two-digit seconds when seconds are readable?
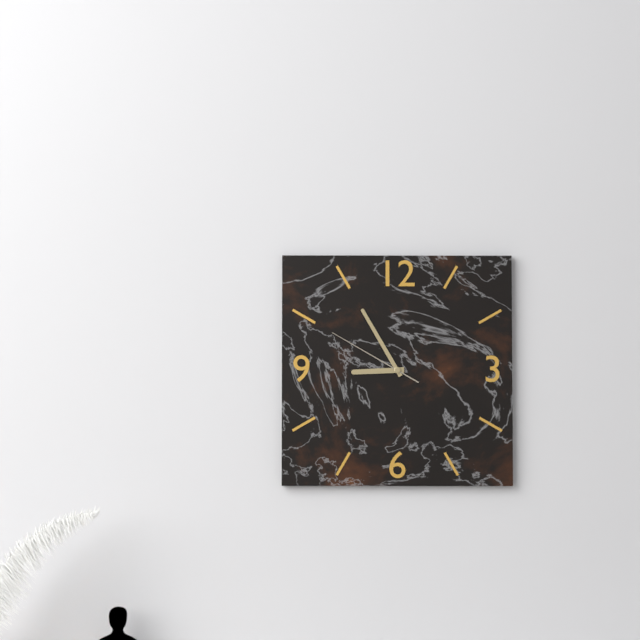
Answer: 8,55,50
